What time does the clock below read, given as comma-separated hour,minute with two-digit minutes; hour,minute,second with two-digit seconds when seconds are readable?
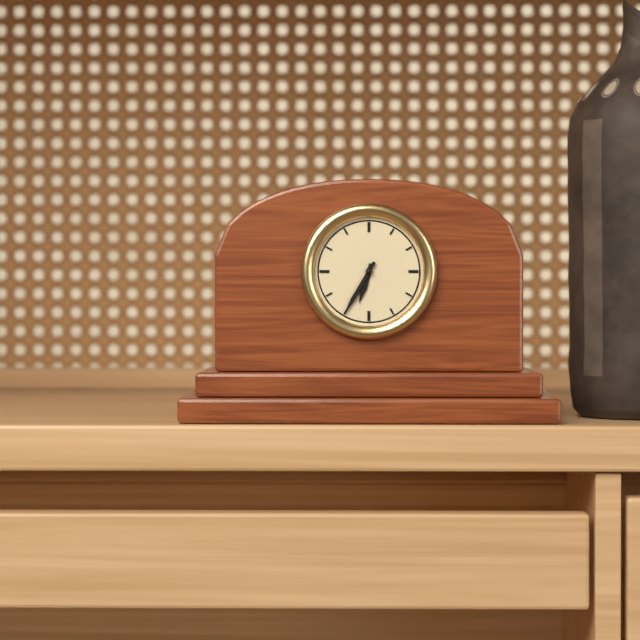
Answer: 6,35
